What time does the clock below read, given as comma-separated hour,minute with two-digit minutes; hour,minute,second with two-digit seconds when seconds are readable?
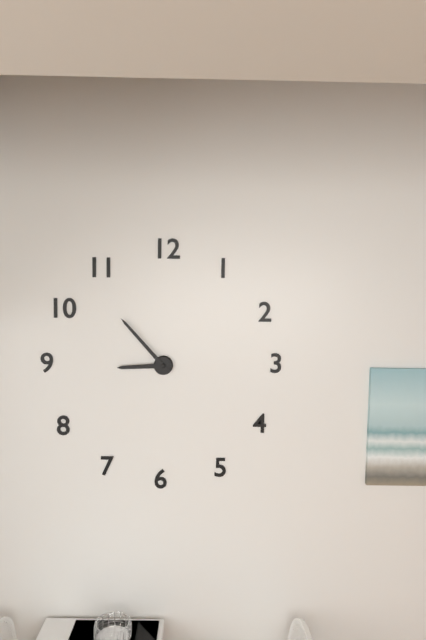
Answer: 8,53
